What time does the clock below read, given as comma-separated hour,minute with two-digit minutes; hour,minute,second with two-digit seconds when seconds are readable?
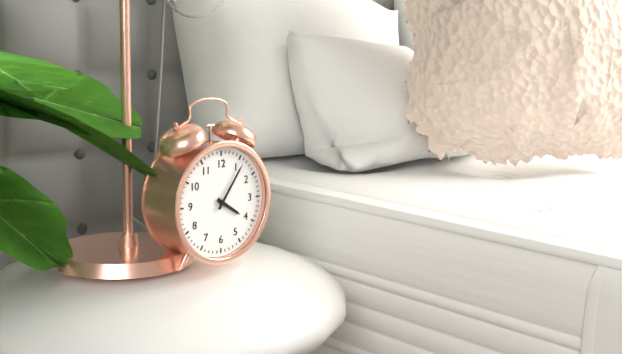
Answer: 4,06
